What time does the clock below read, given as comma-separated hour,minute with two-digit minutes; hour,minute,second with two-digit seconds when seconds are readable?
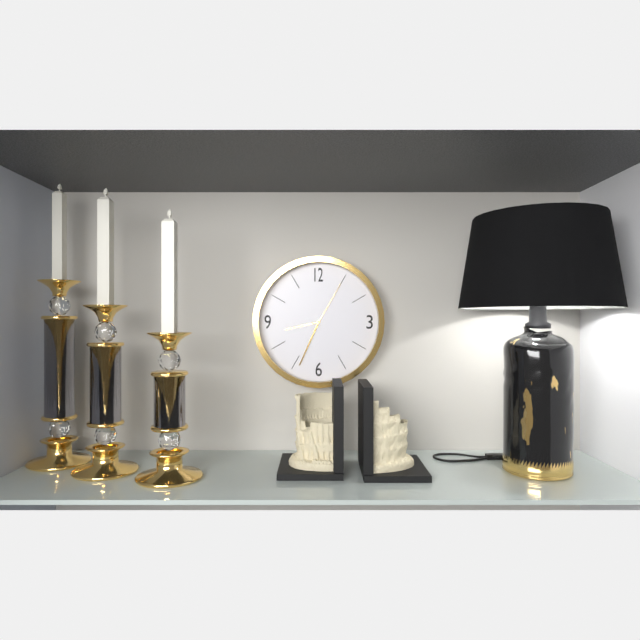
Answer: 8,34,05
